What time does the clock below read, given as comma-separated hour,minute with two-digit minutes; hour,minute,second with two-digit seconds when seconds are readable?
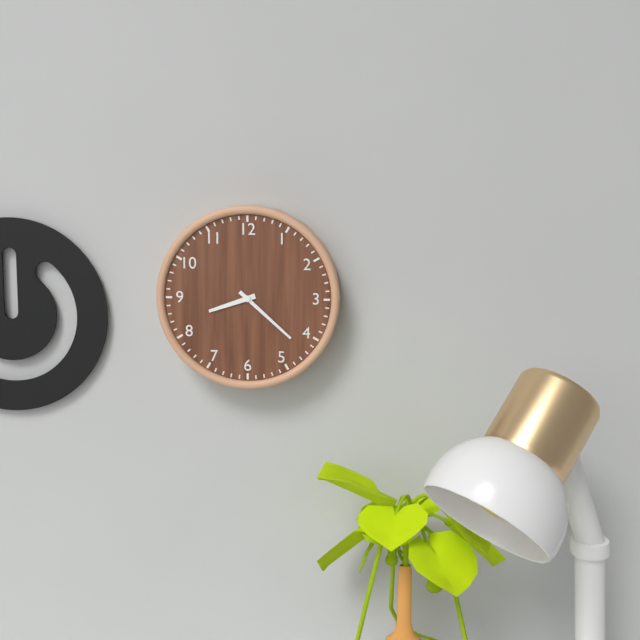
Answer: 8,22
